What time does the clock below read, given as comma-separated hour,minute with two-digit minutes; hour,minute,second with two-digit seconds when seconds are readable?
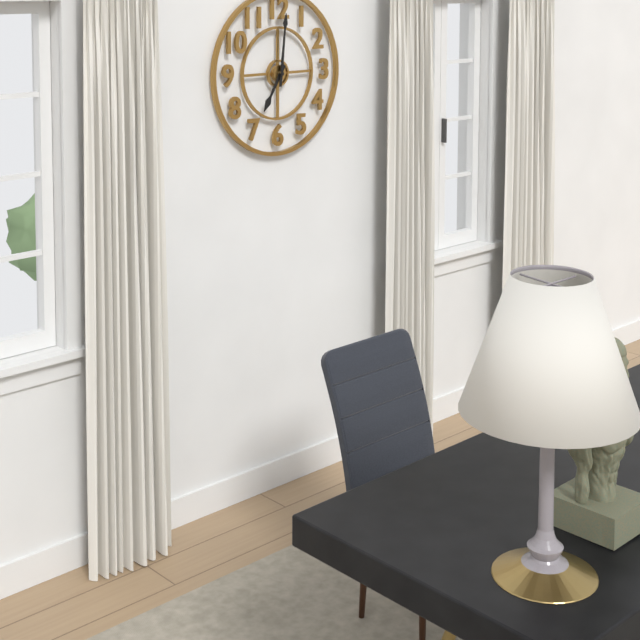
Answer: 7,01
